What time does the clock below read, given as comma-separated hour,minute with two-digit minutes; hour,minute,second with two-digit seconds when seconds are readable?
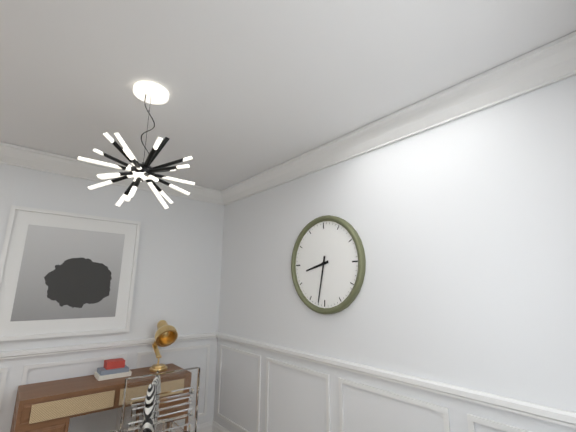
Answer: 8,32
